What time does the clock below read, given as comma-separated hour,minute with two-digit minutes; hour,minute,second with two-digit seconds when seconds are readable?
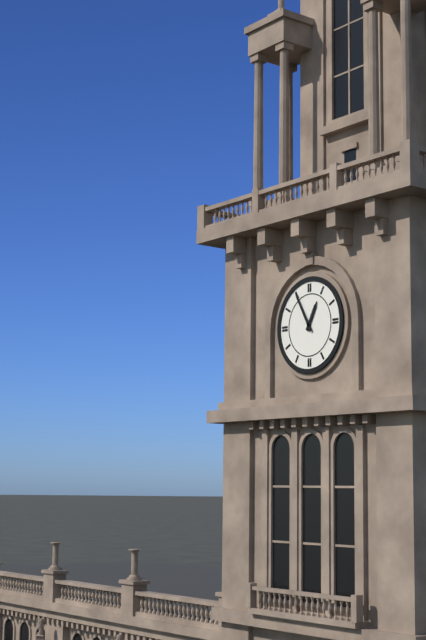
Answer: 12,55
